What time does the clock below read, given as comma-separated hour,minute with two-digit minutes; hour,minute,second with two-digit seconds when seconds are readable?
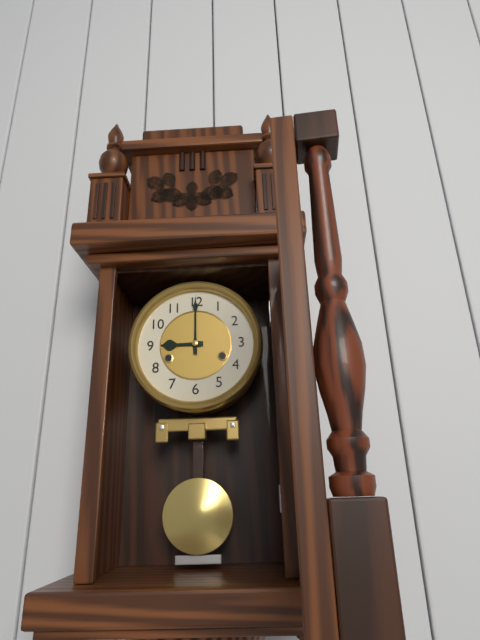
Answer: 9,00
